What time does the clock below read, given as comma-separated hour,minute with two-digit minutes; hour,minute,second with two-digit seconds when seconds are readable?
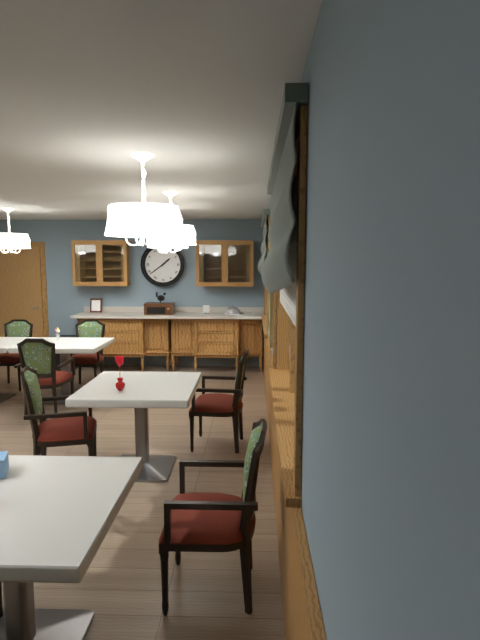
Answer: 1,39
